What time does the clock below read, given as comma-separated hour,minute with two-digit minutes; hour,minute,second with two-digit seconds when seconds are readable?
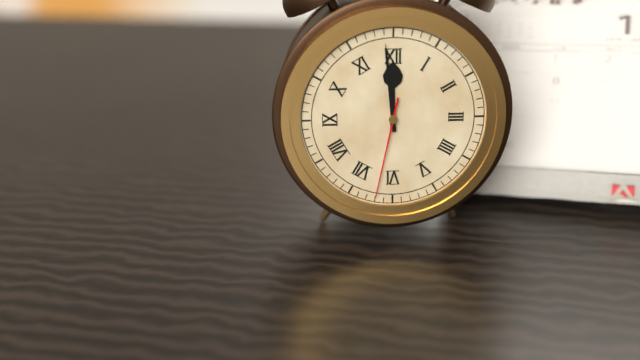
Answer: 11,59,32
